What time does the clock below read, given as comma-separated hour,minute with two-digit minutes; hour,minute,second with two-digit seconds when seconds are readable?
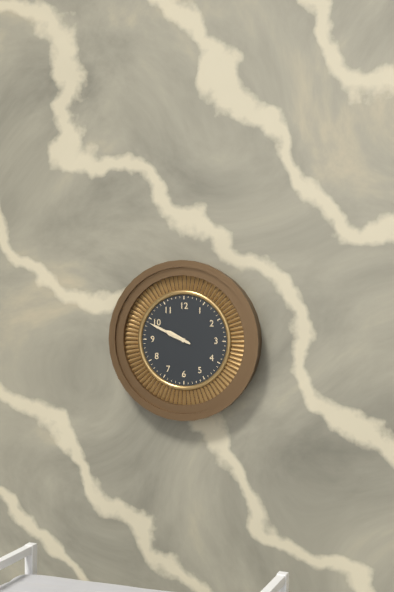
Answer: 9,49
